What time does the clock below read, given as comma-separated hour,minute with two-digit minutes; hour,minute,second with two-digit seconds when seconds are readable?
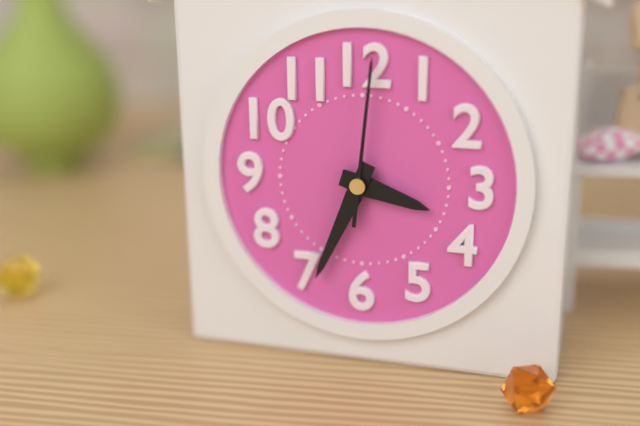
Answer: 3,34,01
